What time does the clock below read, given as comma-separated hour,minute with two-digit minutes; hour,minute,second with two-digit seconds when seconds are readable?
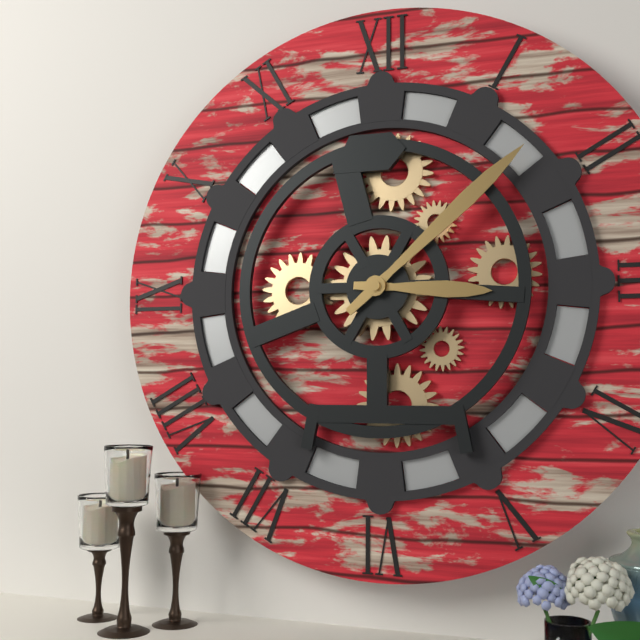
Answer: 3,08
